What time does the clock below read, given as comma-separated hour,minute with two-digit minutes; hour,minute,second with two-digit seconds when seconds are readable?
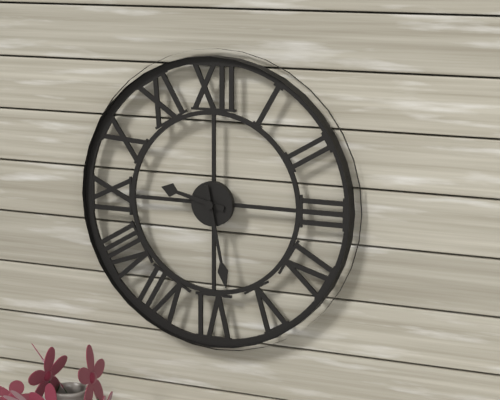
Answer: 9,28
